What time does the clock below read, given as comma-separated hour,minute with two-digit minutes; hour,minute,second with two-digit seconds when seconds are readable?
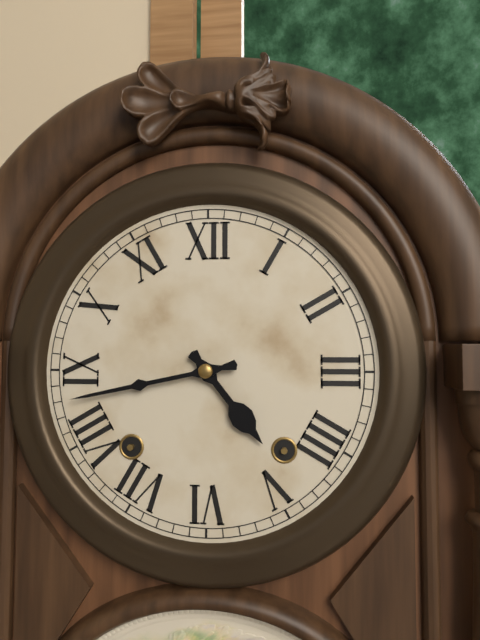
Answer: 4,43
